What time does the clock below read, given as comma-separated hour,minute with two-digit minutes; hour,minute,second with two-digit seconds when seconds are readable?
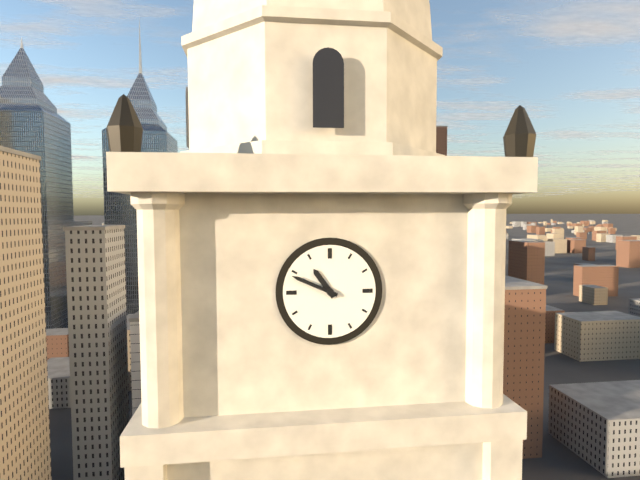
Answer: 10,49
